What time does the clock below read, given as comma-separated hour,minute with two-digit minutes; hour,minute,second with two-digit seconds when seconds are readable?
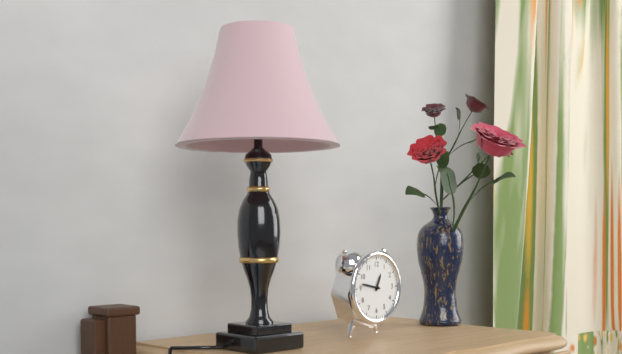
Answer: 12,47
